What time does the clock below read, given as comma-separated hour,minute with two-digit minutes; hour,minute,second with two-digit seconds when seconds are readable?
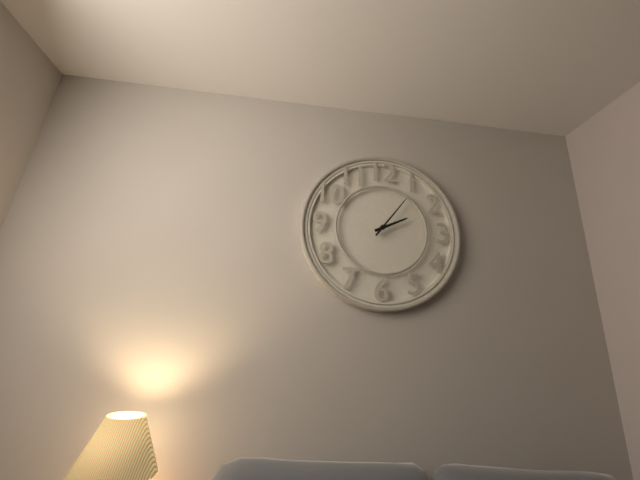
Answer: 2,06
